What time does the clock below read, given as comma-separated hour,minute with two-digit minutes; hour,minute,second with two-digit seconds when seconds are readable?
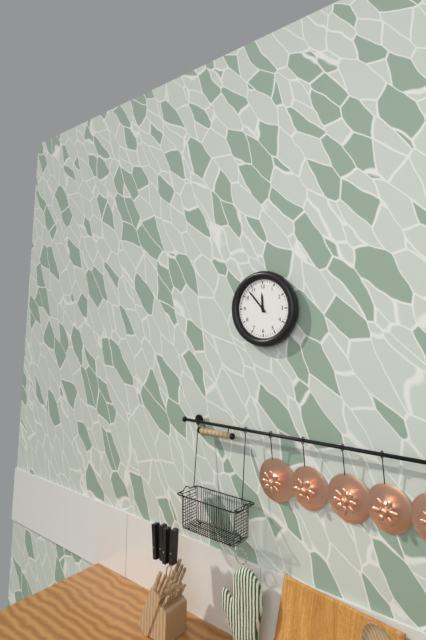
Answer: 11,53
